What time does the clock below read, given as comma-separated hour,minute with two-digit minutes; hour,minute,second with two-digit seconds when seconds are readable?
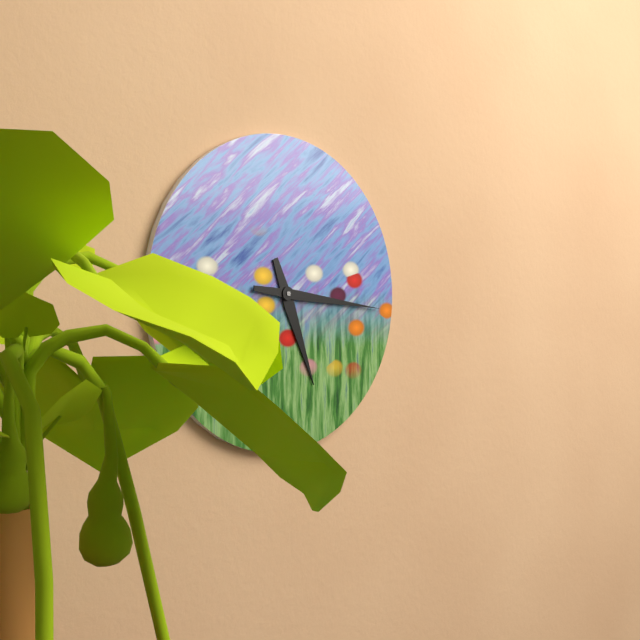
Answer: 5,16
